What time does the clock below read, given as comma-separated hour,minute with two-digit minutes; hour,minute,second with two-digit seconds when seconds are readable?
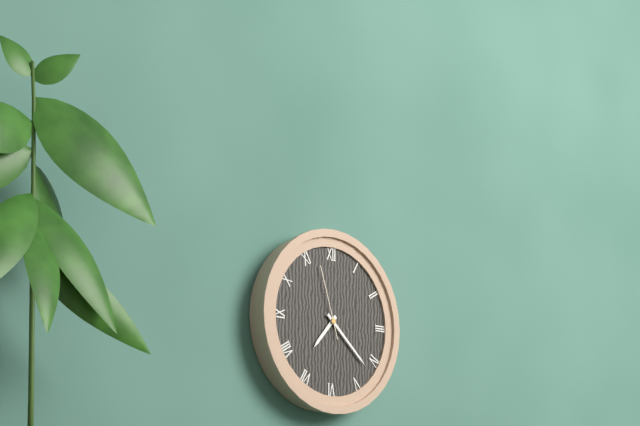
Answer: 7,22,57
